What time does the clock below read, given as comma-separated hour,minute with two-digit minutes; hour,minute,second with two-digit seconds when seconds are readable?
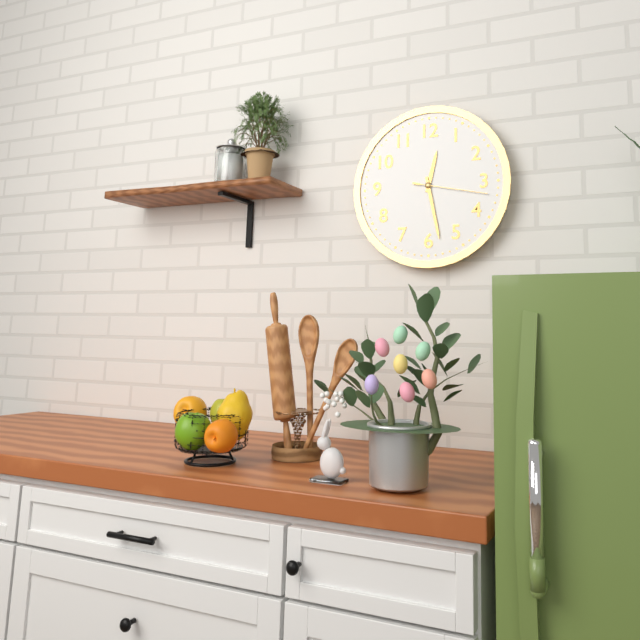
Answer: 12,28,17
